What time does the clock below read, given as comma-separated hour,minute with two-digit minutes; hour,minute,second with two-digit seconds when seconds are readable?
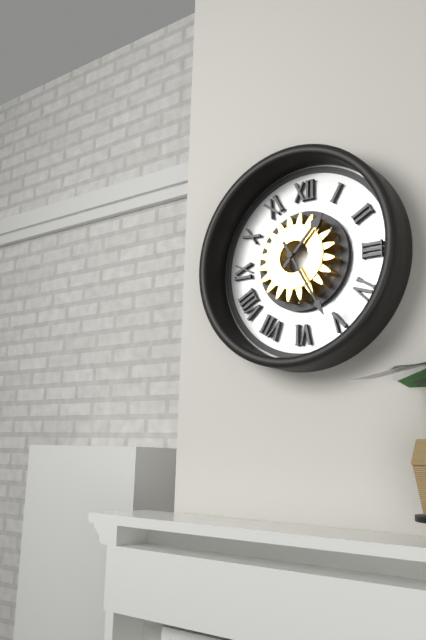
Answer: 1,25
